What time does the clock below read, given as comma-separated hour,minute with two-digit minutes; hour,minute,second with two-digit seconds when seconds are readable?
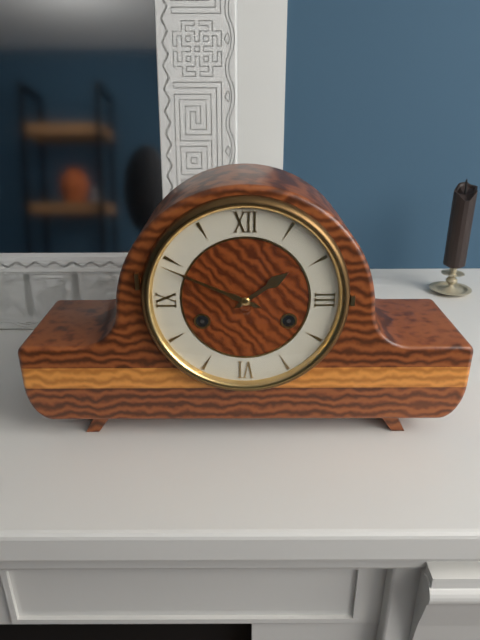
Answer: 1,49
